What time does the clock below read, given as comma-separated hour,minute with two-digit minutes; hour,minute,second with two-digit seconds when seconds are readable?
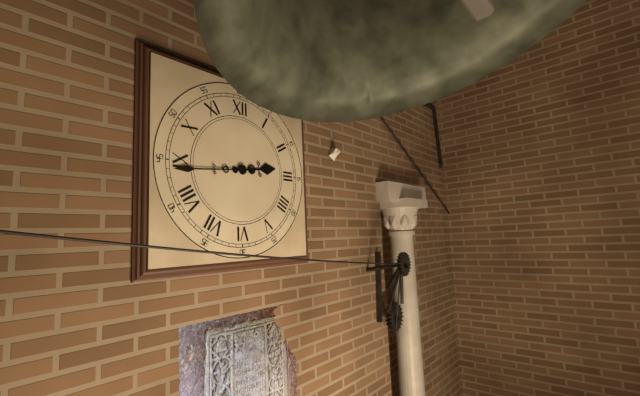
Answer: 2,44
